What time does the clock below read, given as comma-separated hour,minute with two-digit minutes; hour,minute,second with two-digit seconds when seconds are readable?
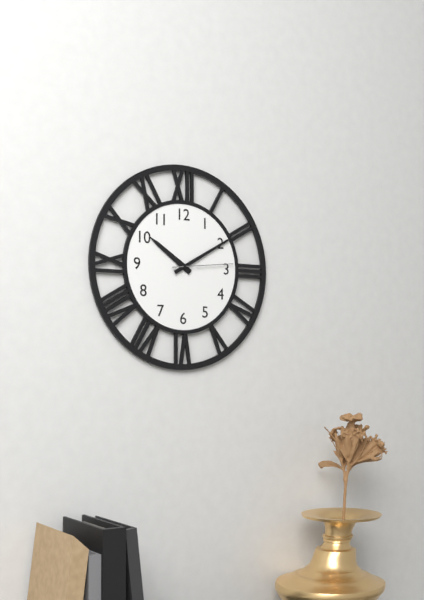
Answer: 10,10,14
